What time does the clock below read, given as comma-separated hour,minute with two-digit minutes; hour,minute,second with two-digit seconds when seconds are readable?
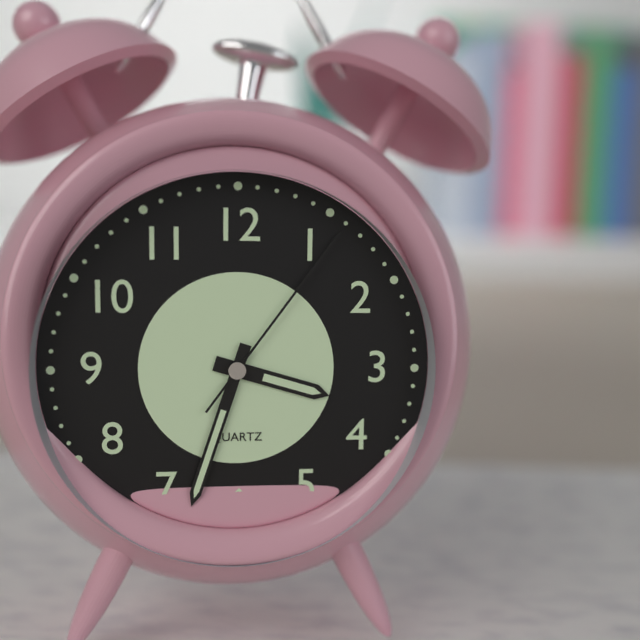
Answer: 3,33,06
